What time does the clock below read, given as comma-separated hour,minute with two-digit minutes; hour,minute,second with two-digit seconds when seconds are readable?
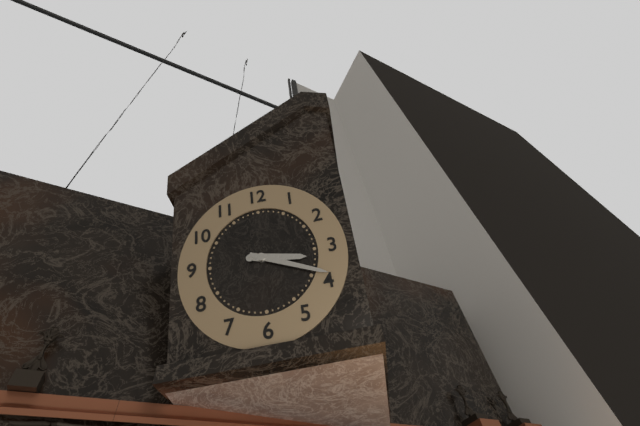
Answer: 3,19
